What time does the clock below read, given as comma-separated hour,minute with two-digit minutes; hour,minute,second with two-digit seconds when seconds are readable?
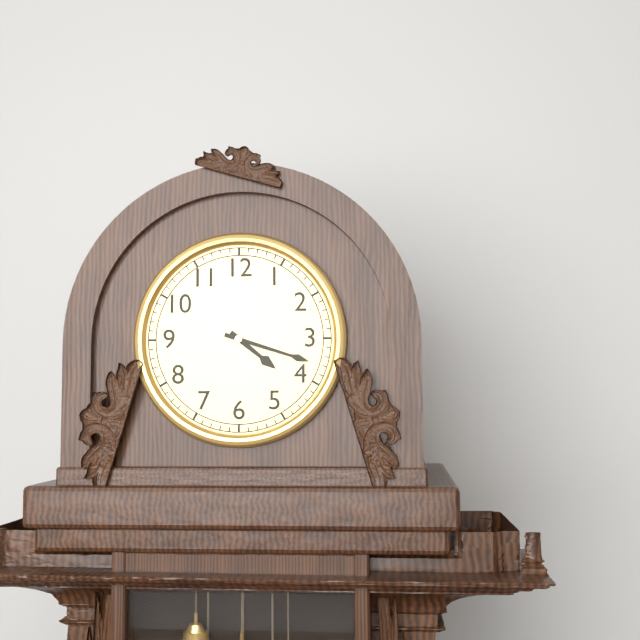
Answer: 4,18
